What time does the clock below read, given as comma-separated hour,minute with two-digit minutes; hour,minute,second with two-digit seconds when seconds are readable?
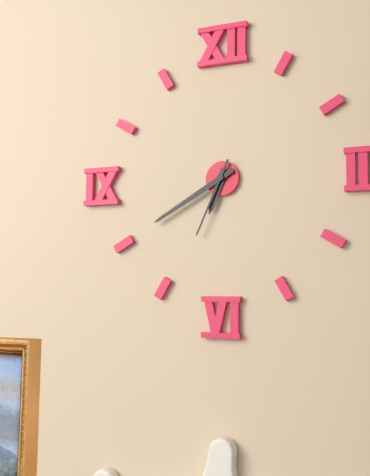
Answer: 6,40,34
